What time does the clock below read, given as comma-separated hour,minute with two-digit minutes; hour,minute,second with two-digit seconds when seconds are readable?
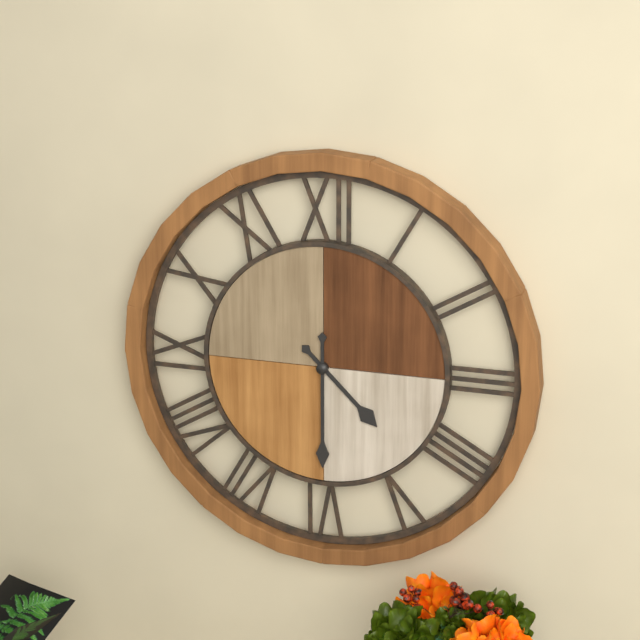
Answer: 4,30
